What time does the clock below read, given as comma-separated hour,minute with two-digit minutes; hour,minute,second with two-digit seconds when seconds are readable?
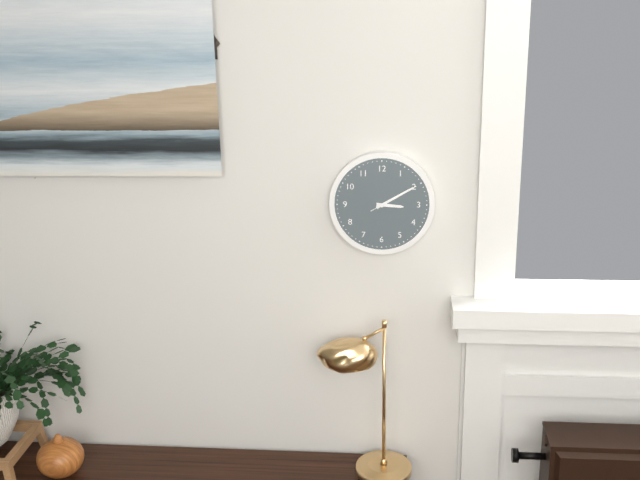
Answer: 3,10
